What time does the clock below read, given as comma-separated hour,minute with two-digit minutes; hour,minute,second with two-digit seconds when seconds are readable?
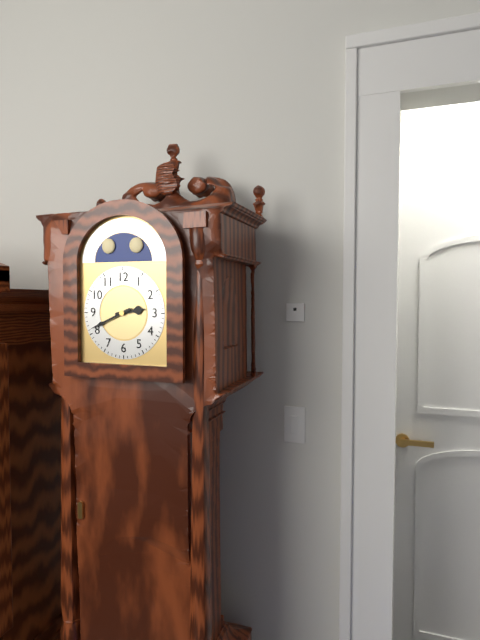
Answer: 2,41
